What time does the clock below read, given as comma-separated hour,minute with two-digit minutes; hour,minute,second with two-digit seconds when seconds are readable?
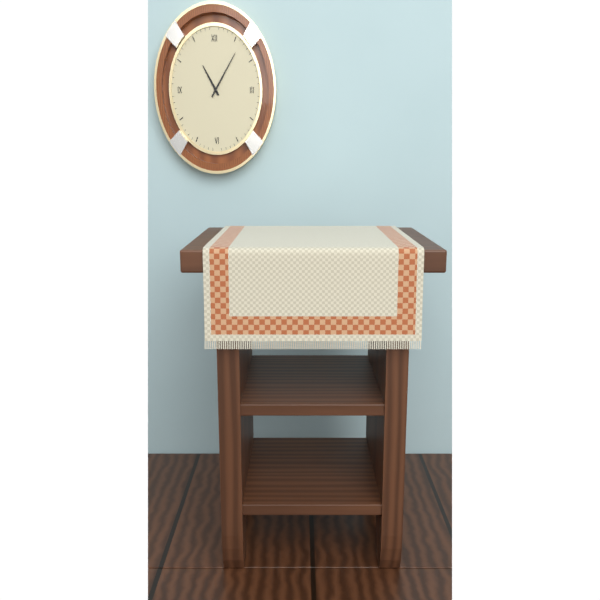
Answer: 11,05
